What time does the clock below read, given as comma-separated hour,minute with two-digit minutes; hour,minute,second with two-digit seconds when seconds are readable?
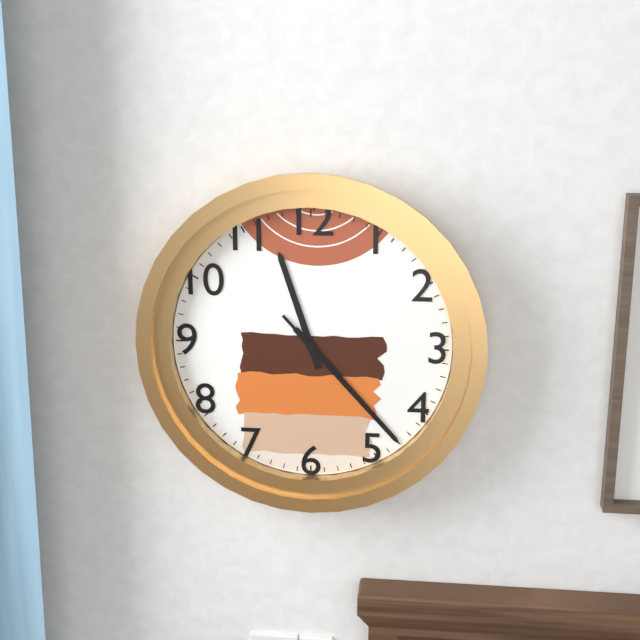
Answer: 11,23,23
